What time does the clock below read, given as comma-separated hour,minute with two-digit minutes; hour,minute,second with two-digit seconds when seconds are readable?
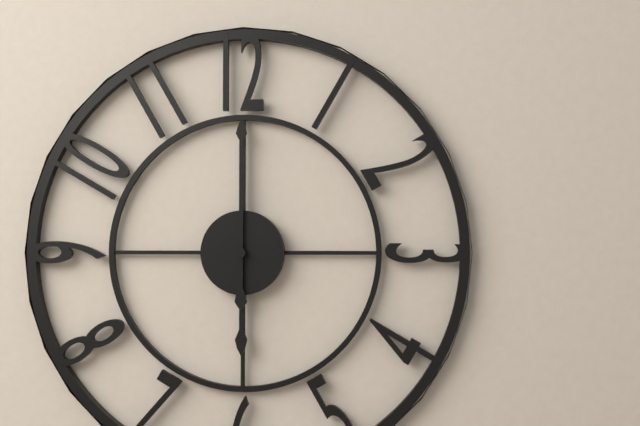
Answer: 6,00
